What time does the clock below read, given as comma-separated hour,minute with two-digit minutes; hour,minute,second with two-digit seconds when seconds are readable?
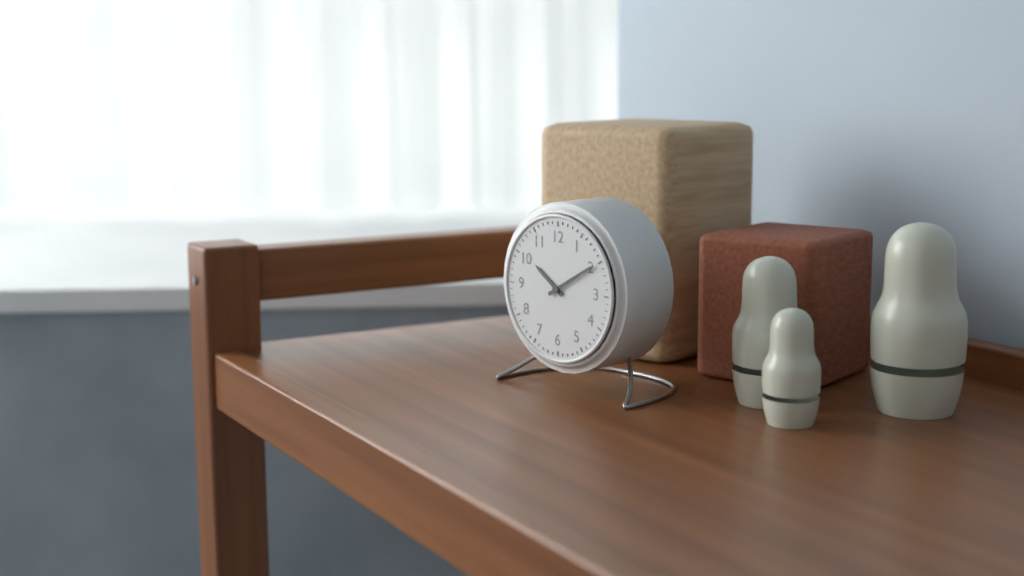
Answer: 10,10
